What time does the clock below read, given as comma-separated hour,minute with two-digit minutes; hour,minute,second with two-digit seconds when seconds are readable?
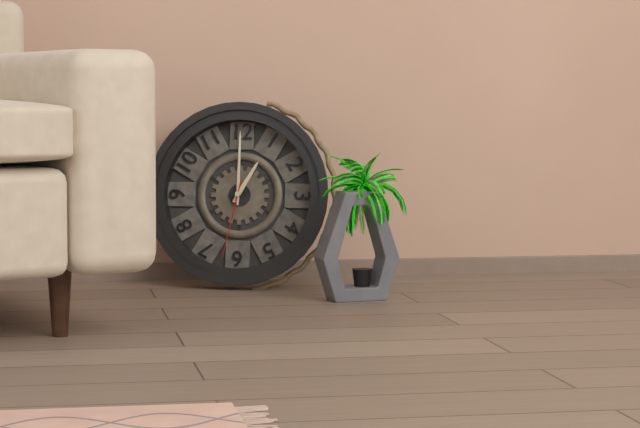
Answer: 1,00,32
